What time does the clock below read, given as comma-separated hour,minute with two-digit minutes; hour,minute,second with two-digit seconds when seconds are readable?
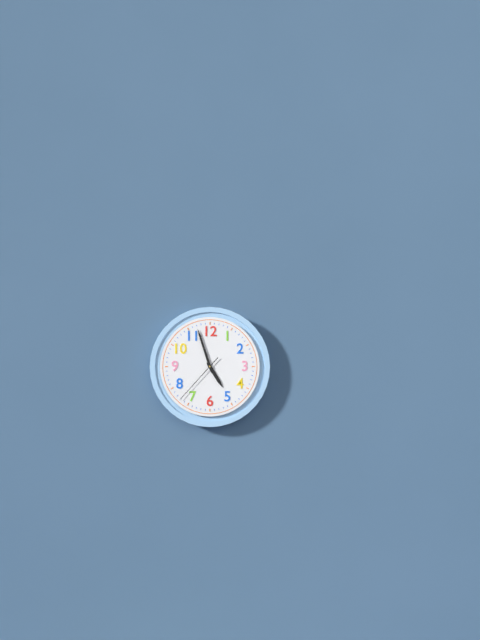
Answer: 4,57,37
